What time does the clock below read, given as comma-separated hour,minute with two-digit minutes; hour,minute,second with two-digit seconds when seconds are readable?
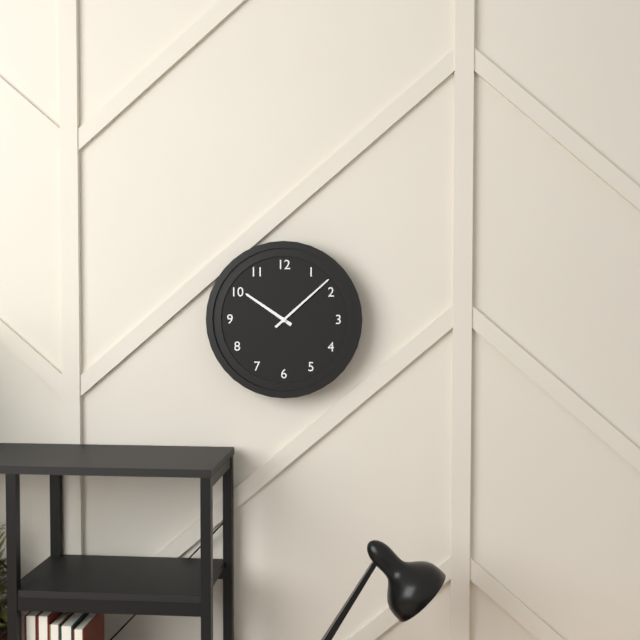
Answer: 10,08
